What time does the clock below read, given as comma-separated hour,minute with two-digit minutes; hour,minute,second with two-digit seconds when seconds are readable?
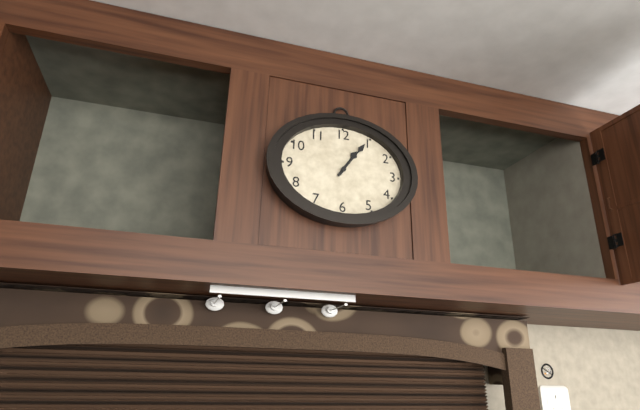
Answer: 1,06
